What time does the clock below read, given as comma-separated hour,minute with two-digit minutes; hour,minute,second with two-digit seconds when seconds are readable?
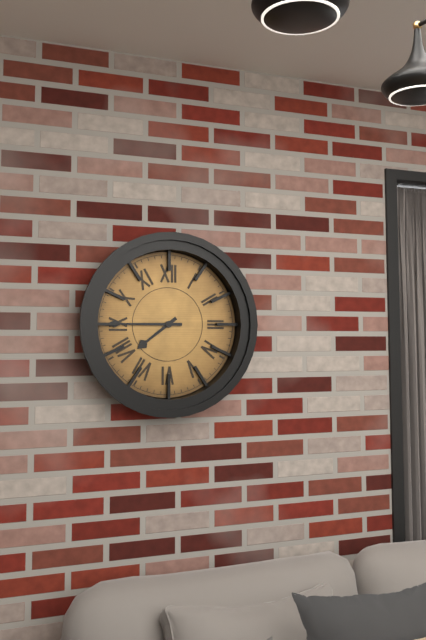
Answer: 7,45
